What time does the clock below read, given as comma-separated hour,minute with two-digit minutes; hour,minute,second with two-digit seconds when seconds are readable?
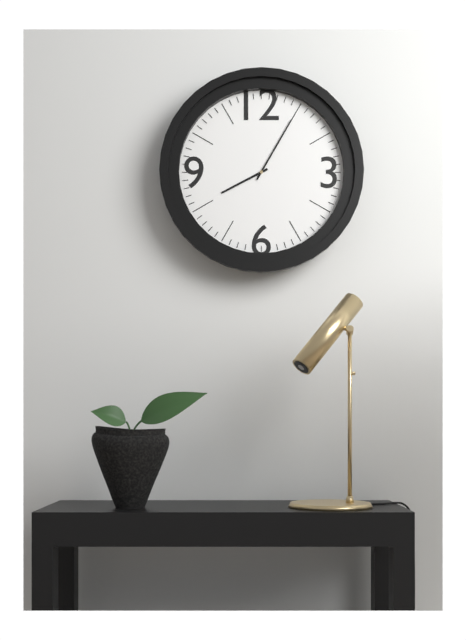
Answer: 8,05
